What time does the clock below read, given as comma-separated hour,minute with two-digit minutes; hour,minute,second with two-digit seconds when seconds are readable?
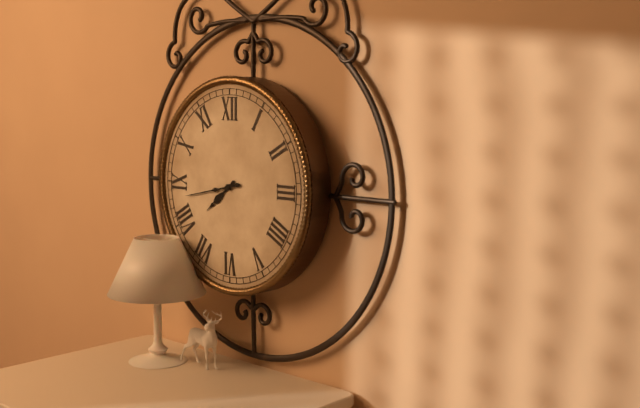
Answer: 7,43
